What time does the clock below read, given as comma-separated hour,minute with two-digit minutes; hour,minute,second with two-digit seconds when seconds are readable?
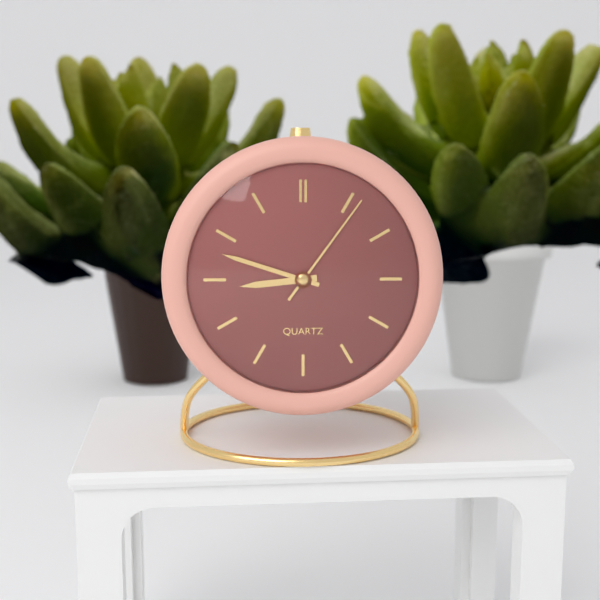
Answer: 8,48,06
